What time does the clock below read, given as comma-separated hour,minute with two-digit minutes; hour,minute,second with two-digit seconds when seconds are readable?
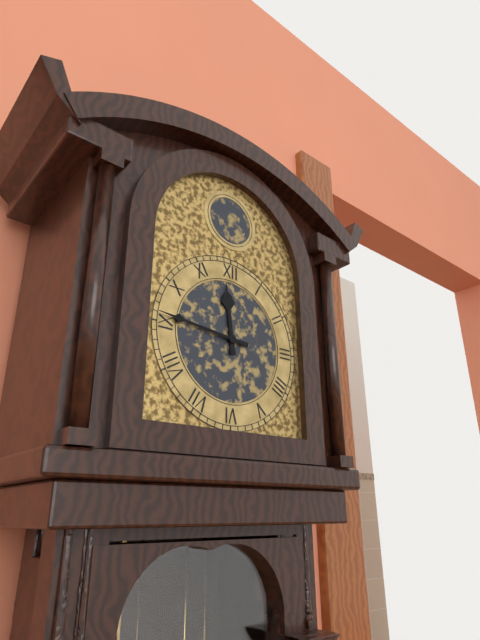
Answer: 11,46
